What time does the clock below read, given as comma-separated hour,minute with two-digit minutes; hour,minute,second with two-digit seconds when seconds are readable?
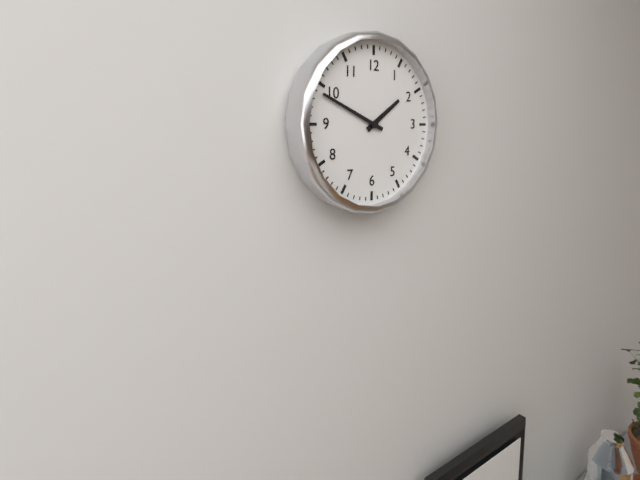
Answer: 1,49
